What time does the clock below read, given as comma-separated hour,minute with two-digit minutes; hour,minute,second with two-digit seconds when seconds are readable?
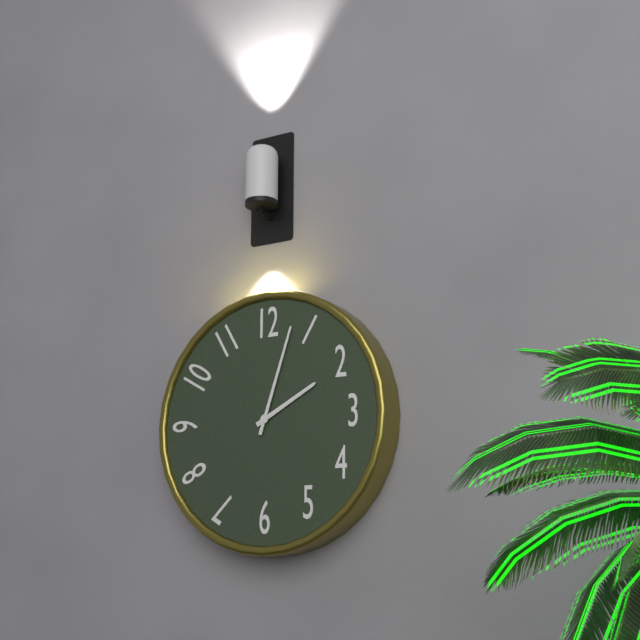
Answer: 2,03
